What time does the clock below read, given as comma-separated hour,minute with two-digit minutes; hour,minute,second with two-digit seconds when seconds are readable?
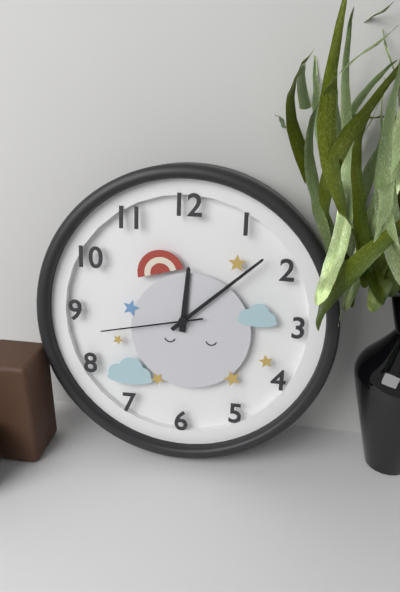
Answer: 12,08,43
